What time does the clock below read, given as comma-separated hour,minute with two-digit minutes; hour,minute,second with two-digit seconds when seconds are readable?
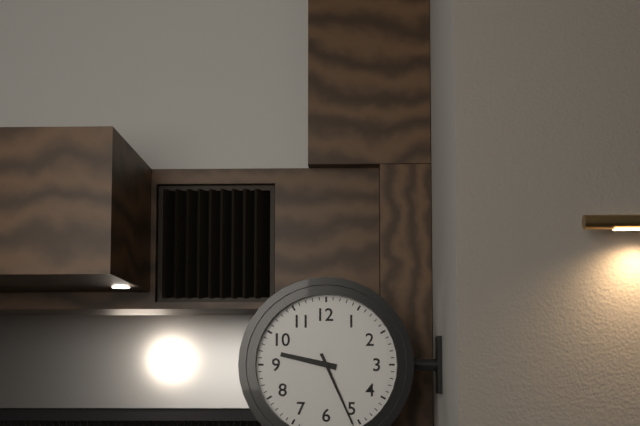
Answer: 9,26
